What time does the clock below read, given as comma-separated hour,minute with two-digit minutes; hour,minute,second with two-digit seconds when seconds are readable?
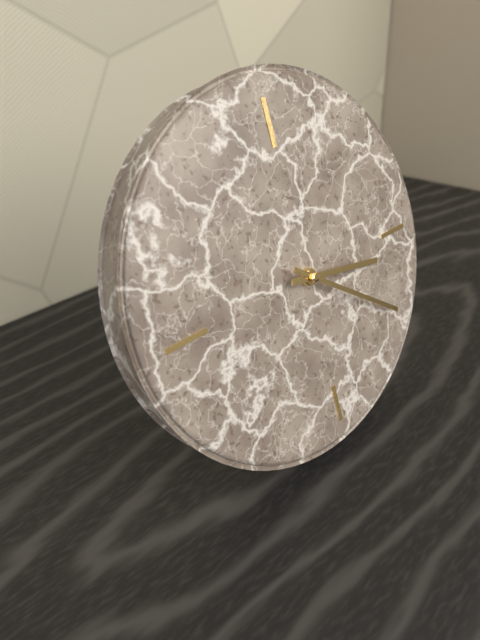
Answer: 3,21
